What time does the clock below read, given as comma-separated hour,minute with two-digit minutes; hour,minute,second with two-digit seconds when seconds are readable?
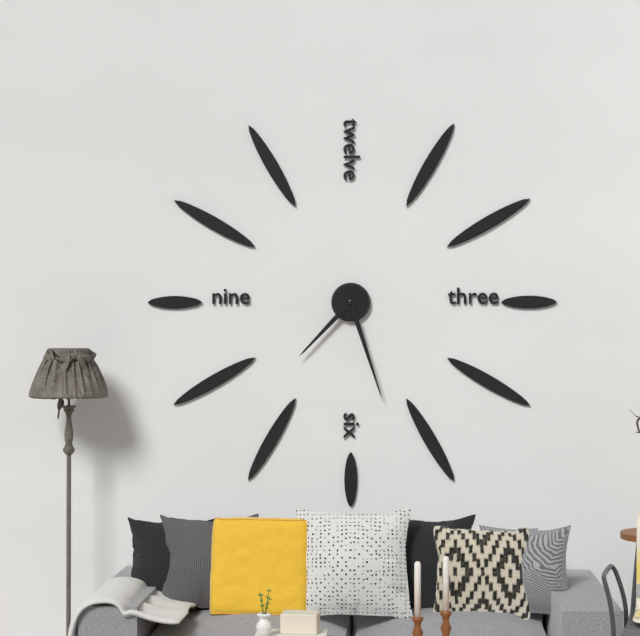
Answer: 7,27
